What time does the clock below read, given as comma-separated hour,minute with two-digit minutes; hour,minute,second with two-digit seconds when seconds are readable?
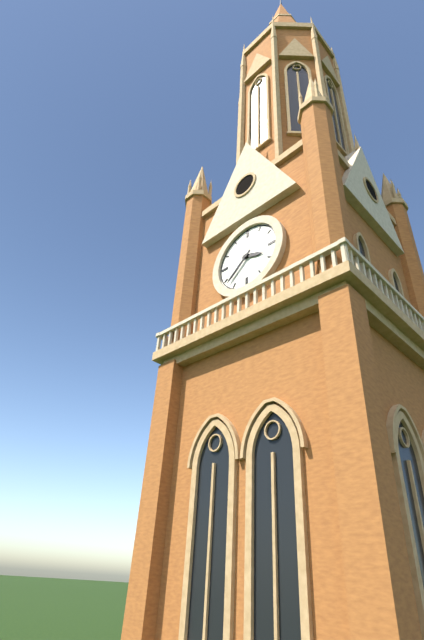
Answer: 3,38
